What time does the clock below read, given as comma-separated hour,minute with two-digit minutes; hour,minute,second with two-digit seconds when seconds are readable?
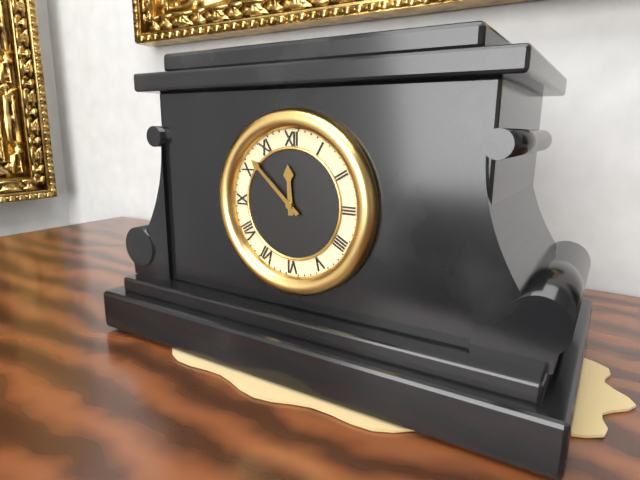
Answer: 11,52
